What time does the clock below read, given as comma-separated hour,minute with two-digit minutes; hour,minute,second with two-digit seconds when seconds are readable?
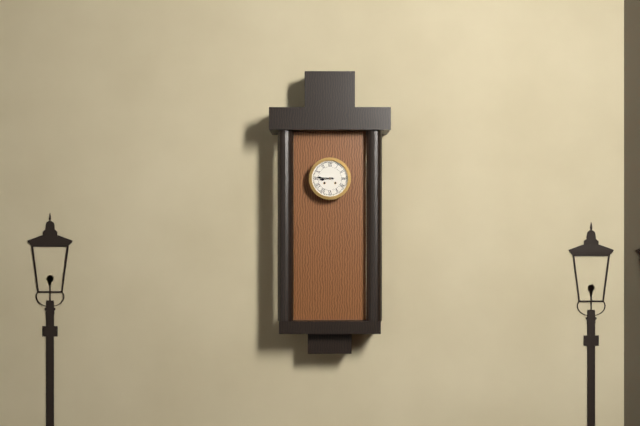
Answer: 8,46
